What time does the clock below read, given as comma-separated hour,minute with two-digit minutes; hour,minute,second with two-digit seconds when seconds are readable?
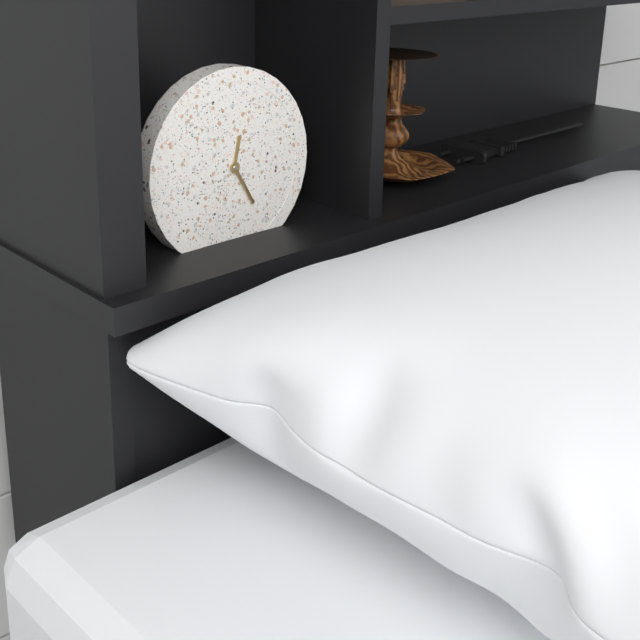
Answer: 12,25
